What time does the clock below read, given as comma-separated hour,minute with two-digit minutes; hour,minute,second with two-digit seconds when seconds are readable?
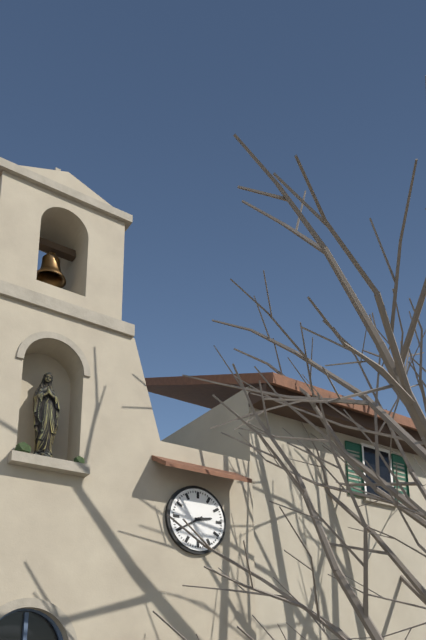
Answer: 2,40
